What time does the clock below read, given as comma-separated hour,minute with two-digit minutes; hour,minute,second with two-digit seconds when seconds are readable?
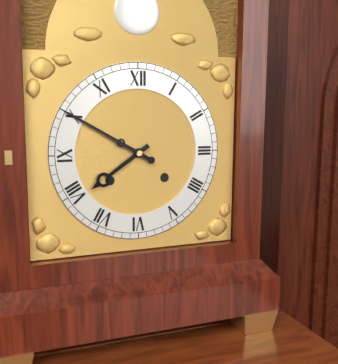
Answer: 7,50
